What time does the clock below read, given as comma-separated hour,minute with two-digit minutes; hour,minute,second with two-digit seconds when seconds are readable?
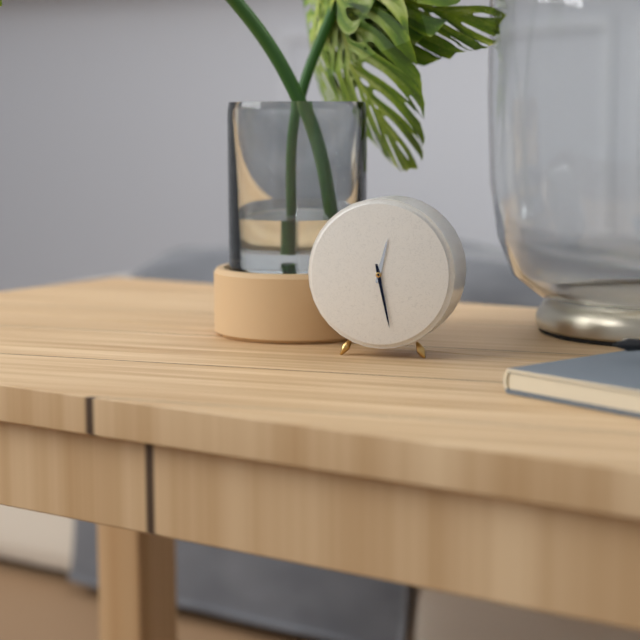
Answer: 12,28
